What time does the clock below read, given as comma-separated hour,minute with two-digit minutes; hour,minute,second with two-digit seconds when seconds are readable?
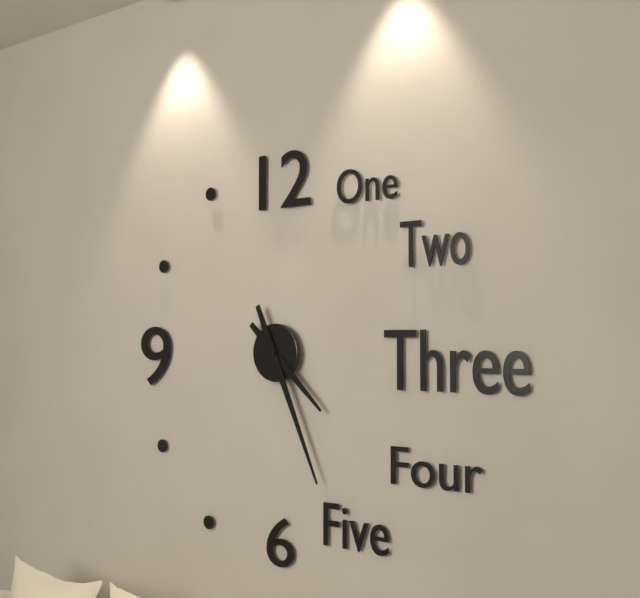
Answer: 4,26
